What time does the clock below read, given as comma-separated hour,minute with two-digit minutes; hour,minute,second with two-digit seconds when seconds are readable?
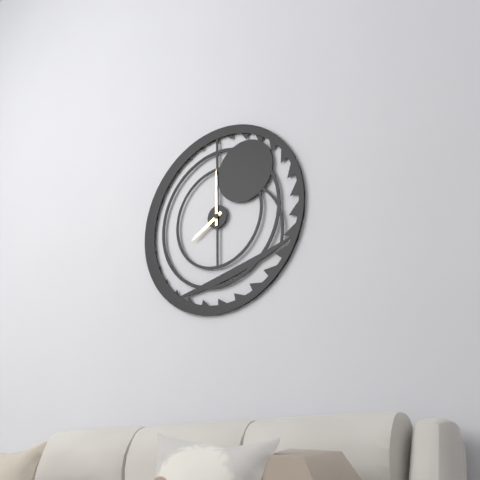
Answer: 8,00
